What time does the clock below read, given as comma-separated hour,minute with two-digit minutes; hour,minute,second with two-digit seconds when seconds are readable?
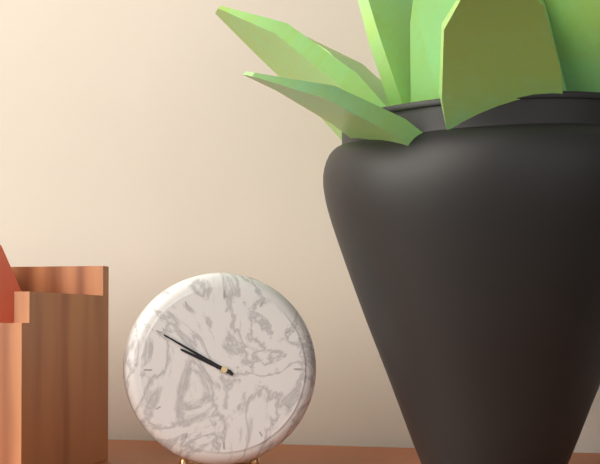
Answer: 9,50
